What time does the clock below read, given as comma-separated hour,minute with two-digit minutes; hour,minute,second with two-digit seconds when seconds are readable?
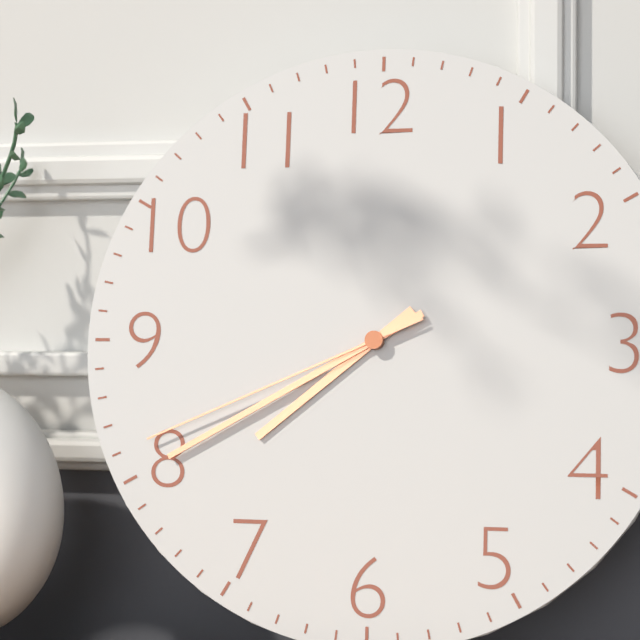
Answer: 7,40,41
